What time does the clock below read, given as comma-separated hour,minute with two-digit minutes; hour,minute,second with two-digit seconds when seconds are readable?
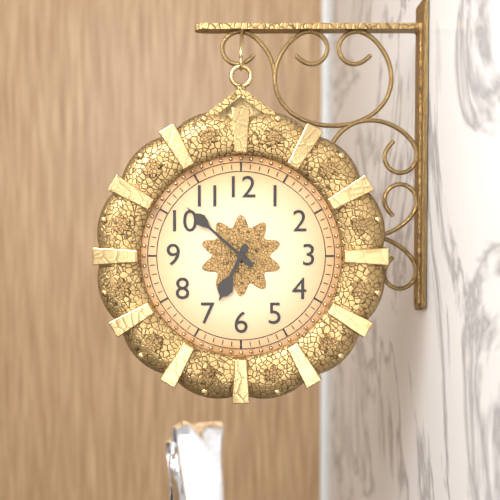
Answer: 6,52
